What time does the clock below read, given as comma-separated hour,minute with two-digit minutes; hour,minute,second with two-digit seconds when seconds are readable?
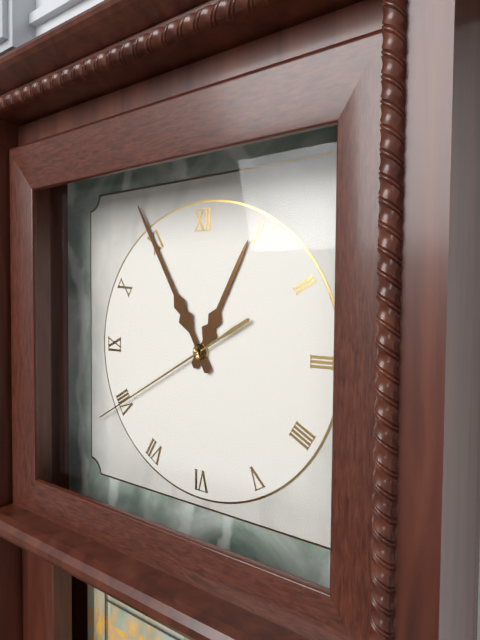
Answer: 12,55,40
